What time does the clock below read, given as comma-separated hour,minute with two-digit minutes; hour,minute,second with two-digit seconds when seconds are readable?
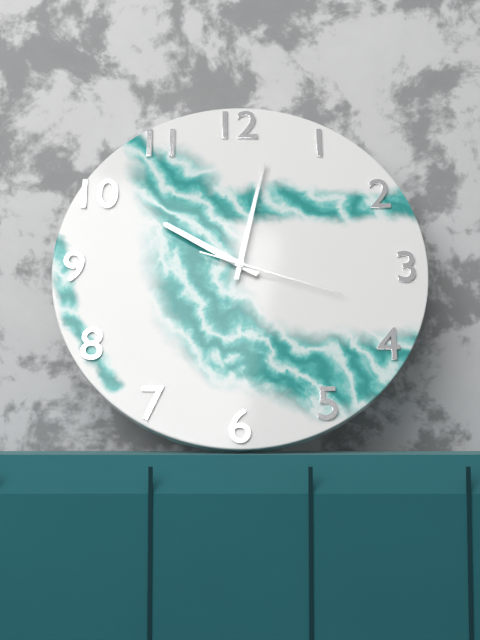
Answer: 10,02,18
